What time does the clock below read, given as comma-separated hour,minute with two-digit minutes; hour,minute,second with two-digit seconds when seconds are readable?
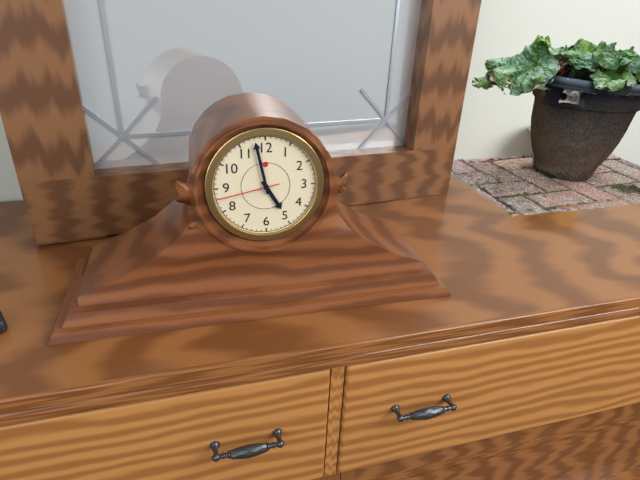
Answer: 4,58,43
